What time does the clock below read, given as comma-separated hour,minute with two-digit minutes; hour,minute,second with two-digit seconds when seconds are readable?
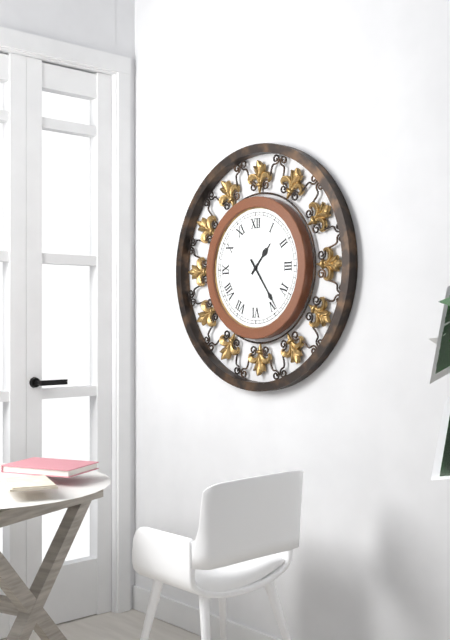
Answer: 1,24
